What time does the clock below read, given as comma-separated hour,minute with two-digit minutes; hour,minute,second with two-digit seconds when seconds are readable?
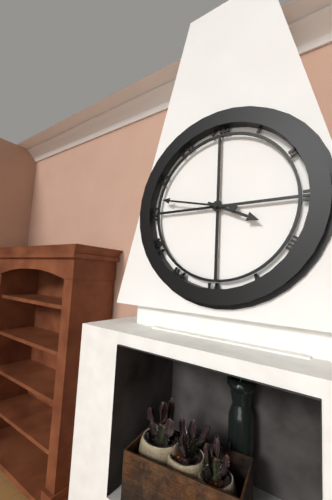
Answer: 3,47
